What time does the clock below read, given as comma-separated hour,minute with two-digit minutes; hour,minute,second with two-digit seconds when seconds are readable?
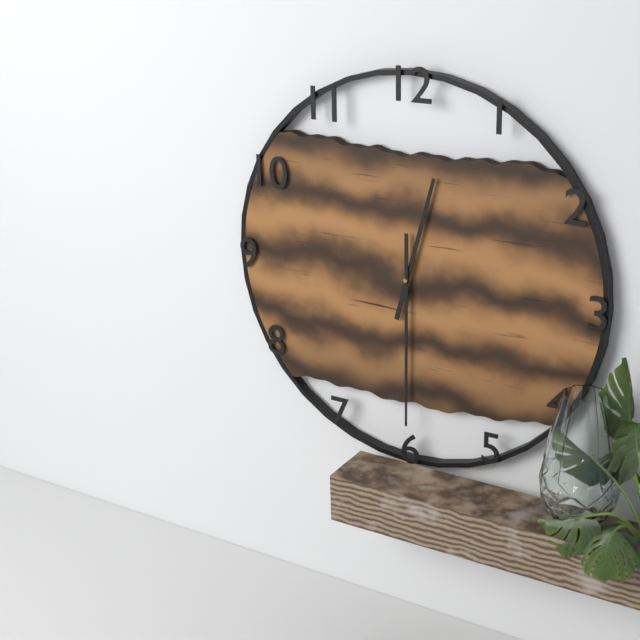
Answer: 12,30
